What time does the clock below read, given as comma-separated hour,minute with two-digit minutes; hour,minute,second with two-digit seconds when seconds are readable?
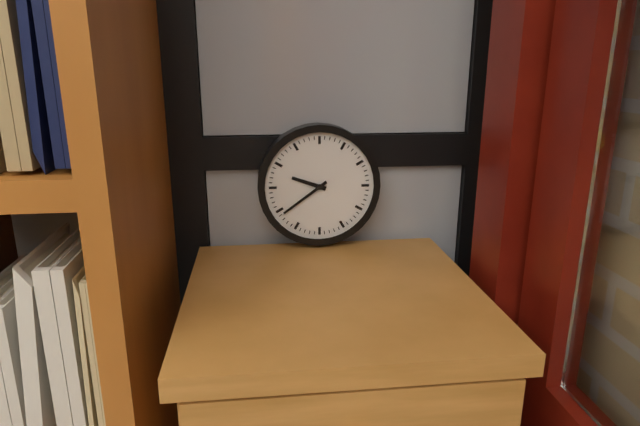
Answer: 9,39
